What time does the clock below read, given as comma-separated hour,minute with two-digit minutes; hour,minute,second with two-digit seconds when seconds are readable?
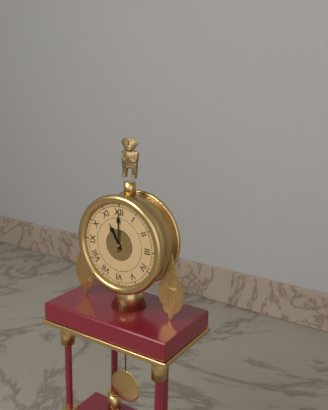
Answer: 11,00
